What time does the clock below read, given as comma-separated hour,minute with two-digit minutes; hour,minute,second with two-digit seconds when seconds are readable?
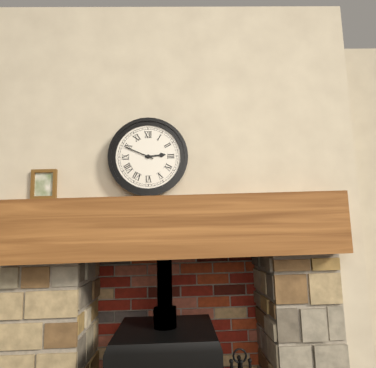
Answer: 2,49
